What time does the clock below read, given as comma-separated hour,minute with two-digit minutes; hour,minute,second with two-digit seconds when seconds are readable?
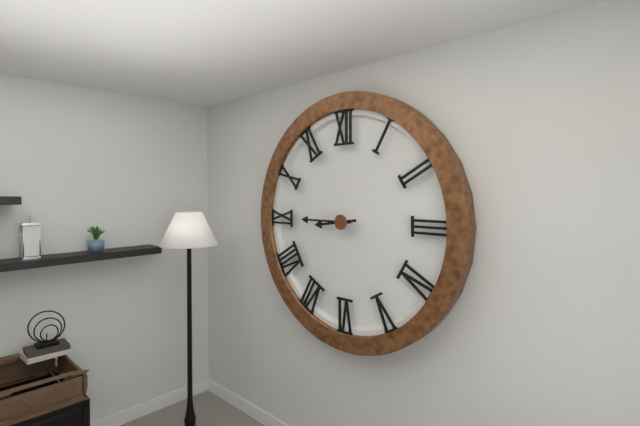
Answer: 8,45
